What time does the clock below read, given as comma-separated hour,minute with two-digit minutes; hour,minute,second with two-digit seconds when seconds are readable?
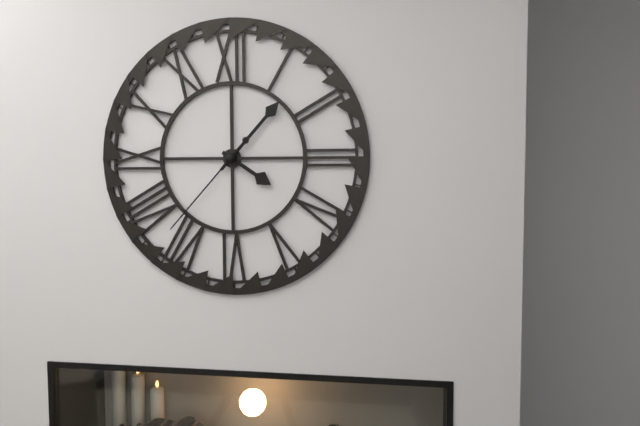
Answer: 4,07,37
